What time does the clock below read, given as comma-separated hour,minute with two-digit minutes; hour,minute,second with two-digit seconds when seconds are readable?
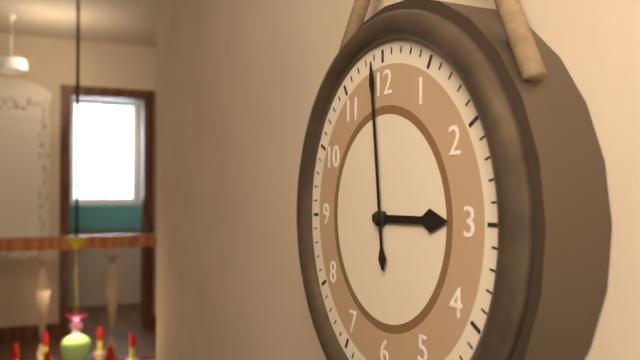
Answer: 2,59
